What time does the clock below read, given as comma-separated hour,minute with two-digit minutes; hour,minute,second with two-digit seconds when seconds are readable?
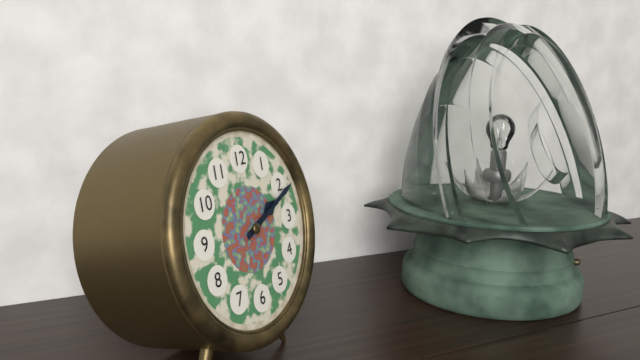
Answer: 2,11
